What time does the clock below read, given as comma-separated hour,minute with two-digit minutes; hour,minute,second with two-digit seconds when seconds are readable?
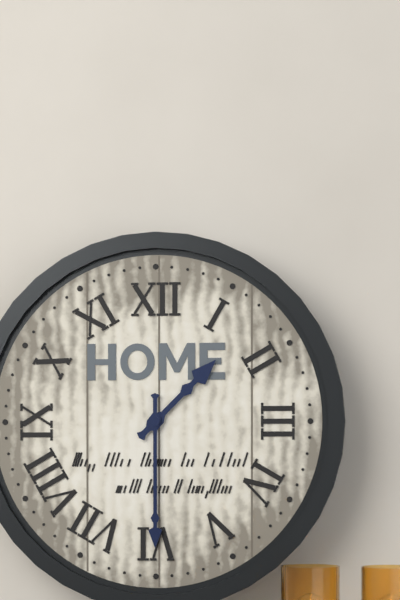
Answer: 1,30
